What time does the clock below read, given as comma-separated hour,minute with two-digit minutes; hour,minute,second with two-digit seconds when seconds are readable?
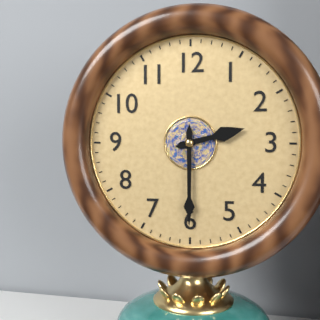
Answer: 2,30
